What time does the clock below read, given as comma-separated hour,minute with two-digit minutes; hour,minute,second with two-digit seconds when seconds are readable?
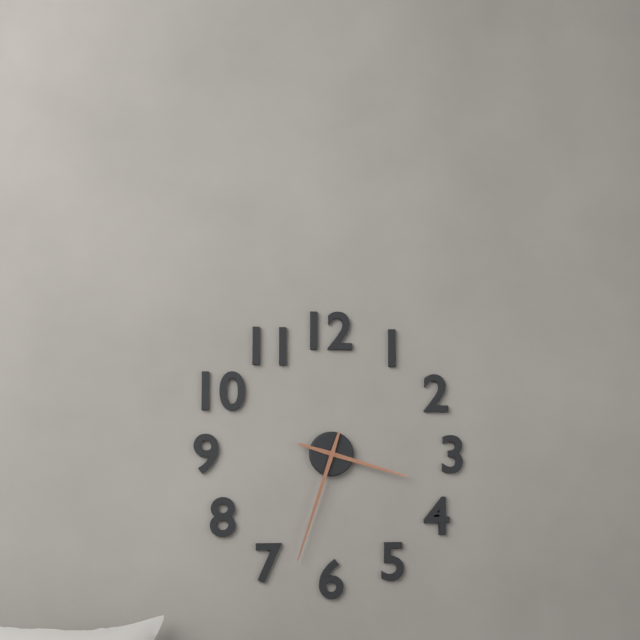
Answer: 3,33
